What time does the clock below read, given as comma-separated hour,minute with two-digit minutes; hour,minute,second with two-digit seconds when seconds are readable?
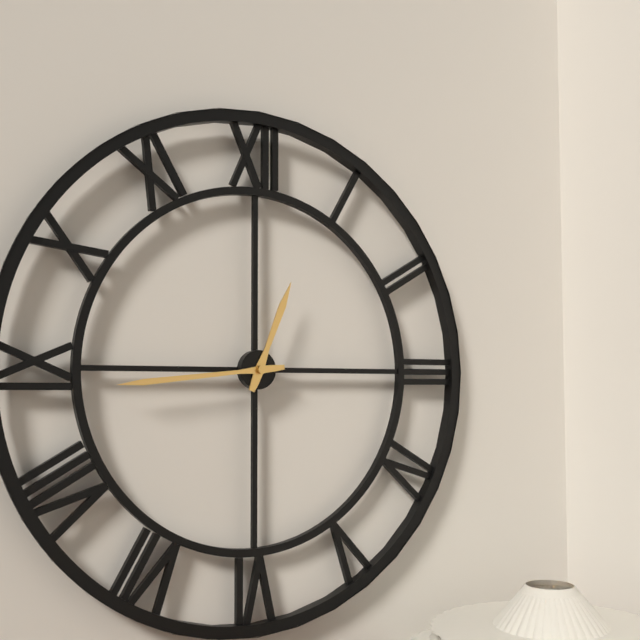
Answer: 12,44
